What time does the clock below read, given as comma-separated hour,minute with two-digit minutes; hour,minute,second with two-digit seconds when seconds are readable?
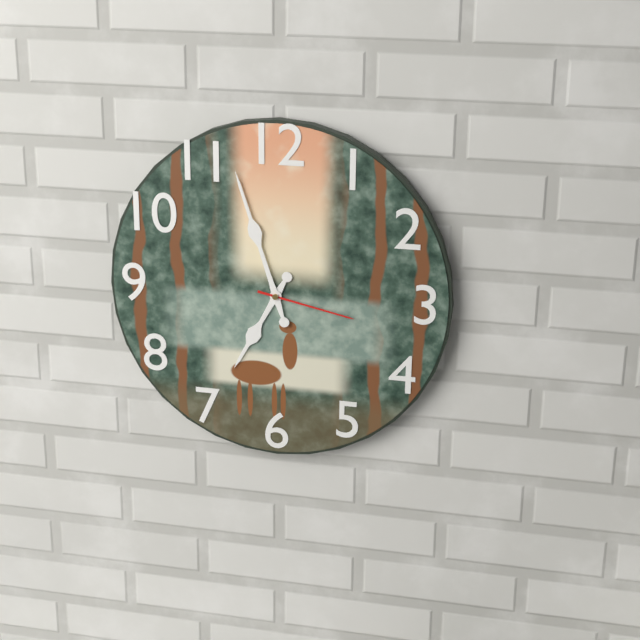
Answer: 6,57,17
